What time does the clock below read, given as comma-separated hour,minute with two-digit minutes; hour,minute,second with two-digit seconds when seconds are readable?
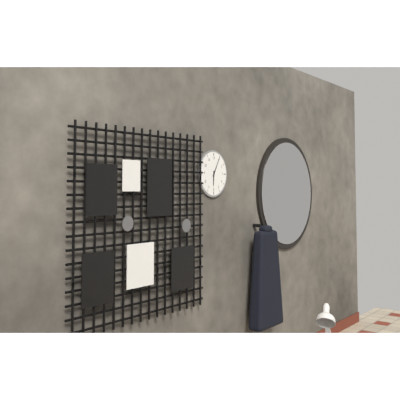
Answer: 6,05
